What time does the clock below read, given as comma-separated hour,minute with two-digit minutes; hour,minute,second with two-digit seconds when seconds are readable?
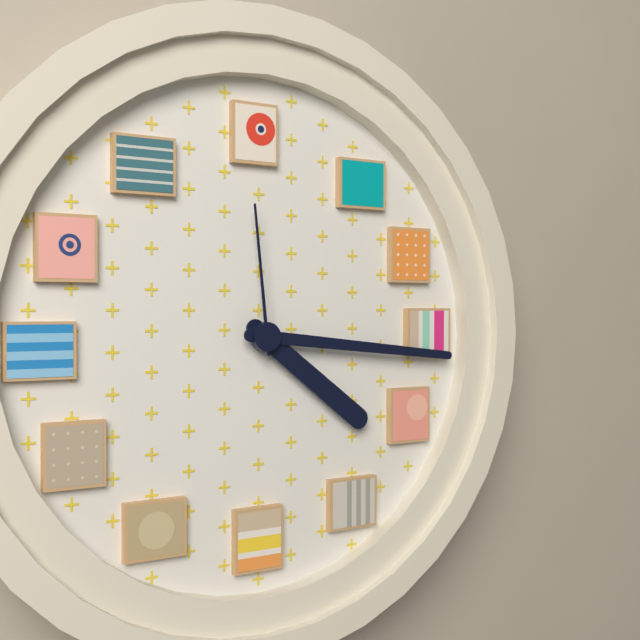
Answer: 4,16,59
